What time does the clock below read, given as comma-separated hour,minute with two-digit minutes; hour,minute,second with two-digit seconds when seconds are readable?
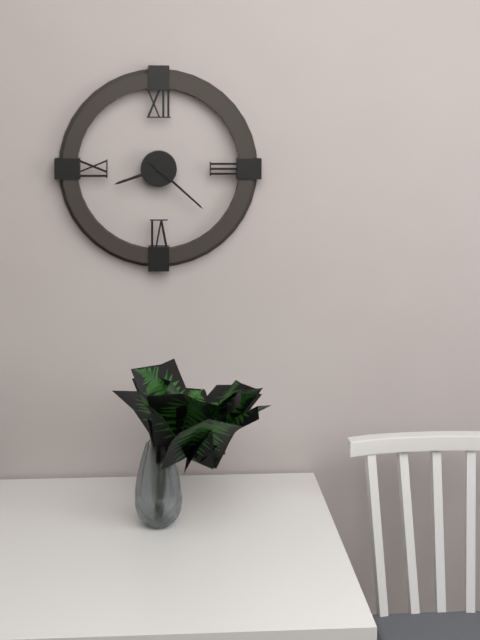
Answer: 8,22
